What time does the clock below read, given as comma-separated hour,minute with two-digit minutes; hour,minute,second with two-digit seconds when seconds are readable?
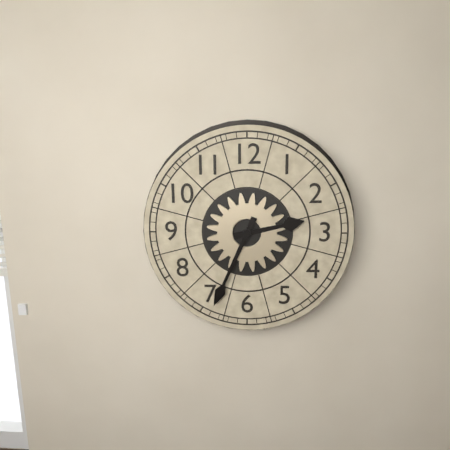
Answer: 2,34
